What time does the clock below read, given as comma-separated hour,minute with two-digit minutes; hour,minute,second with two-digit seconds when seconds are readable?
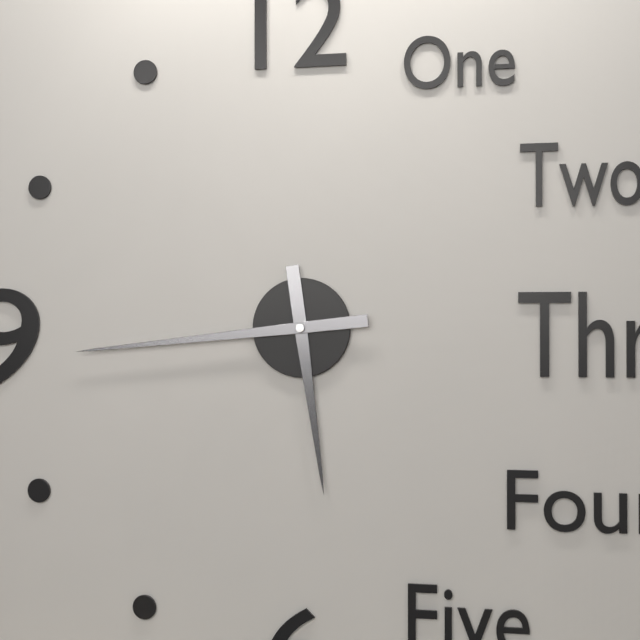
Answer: 5,44
